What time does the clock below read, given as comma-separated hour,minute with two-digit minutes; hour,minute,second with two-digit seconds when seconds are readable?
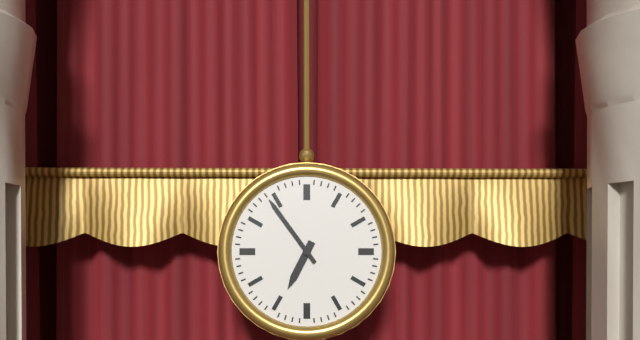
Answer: 6,54
